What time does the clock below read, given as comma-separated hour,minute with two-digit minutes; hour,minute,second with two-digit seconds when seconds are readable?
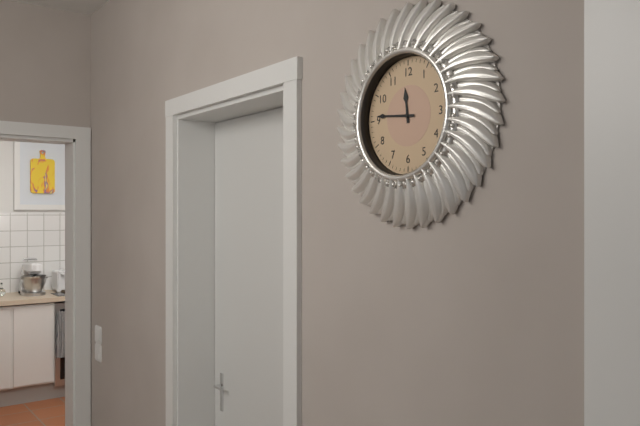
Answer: 11,46
